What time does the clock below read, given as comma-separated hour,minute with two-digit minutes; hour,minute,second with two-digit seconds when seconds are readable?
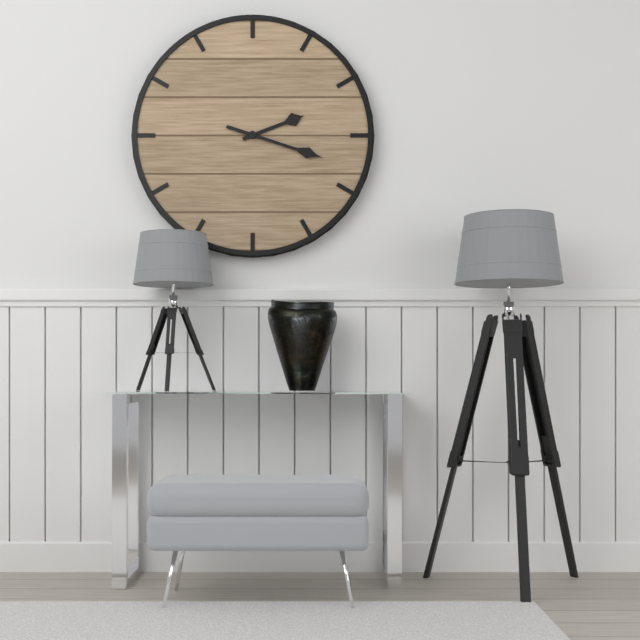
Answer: 2,18
